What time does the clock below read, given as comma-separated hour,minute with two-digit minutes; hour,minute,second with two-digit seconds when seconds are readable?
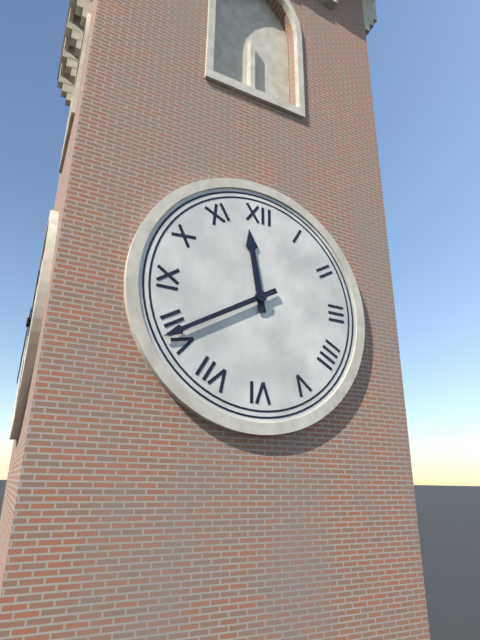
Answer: 11,40
